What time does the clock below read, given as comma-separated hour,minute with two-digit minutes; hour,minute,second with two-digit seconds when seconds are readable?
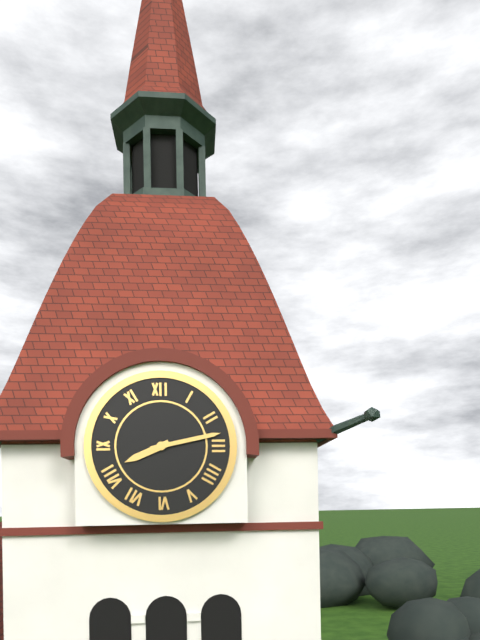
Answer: 8,13
